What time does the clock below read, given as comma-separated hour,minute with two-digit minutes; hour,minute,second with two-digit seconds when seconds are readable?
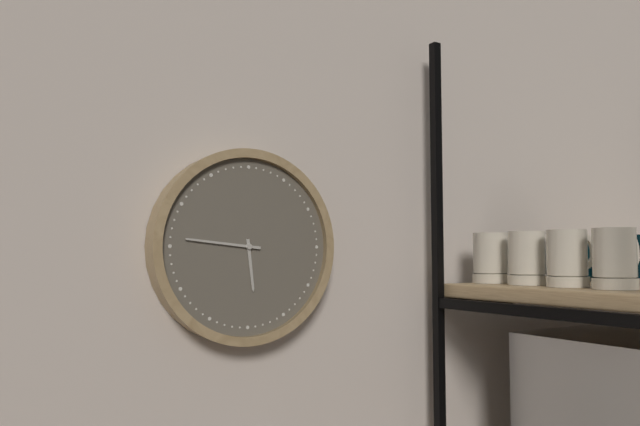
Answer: 5,46
